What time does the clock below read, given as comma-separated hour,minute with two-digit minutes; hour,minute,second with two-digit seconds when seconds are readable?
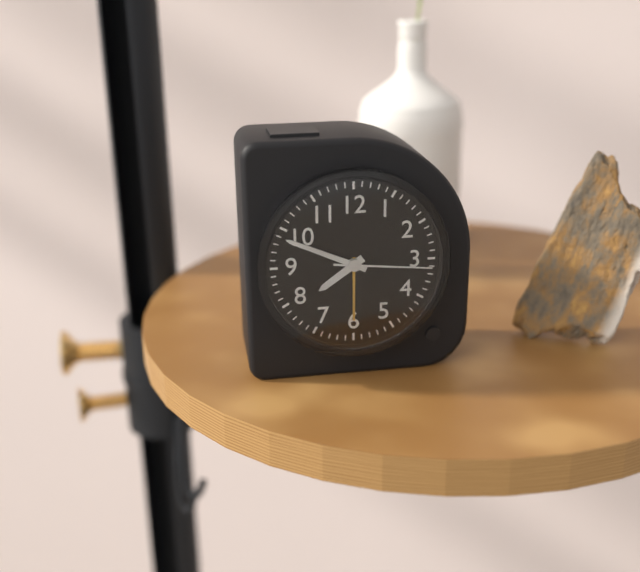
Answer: 7,49,16
